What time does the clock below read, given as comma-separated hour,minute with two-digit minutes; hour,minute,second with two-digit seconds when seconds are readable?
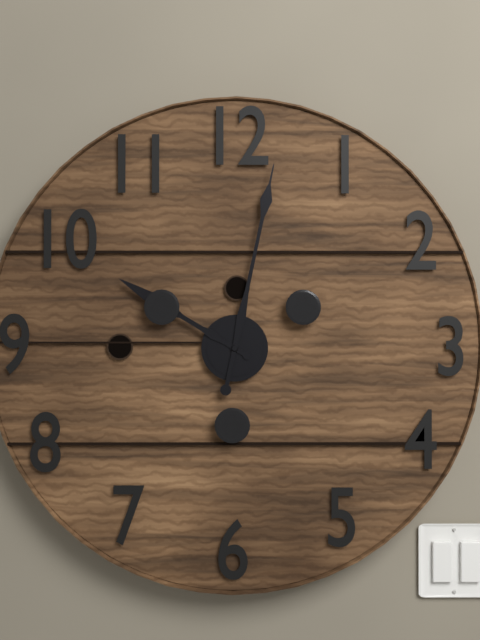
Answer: 10,02
